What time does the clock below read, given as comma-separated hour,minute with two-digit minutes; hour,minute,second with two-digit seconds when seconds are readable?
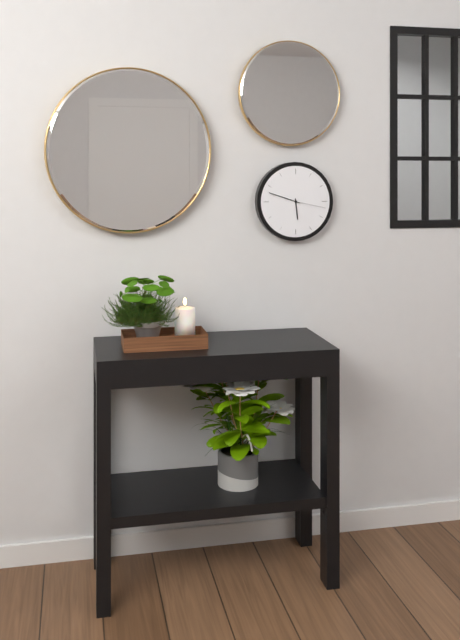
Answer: 5,48
